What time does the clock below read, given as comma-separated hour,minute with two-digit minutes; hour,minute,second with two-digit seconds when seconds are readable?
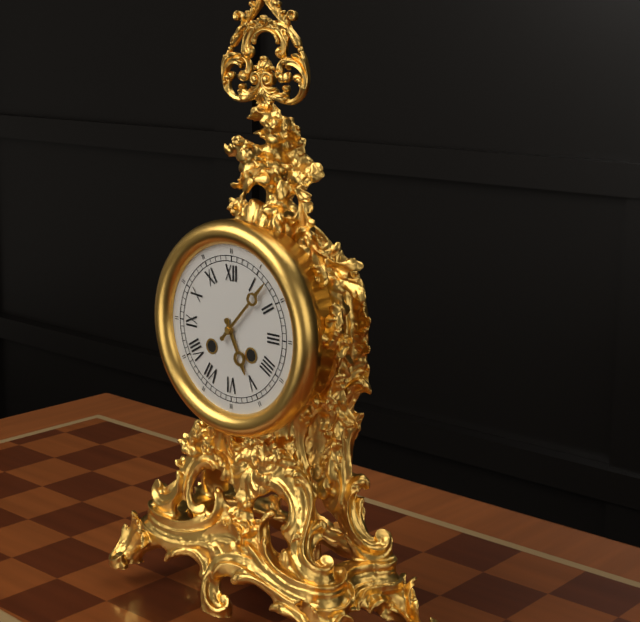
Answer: 5,07
